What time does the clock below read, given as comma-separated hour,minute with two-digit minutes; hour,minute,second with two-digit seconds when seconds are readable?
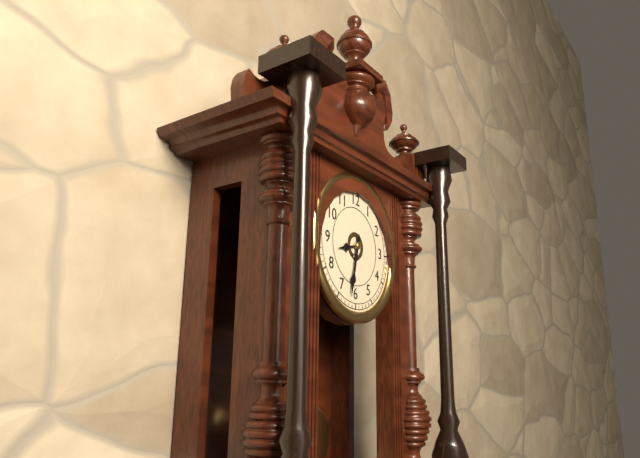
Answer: 8,32
